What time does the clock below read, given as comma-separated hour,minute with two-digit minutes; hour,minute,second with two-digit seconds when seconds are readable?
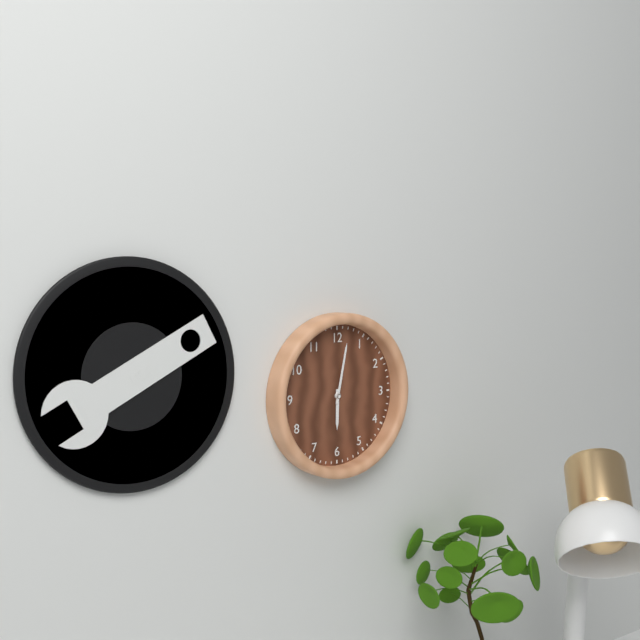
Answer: 6,02
